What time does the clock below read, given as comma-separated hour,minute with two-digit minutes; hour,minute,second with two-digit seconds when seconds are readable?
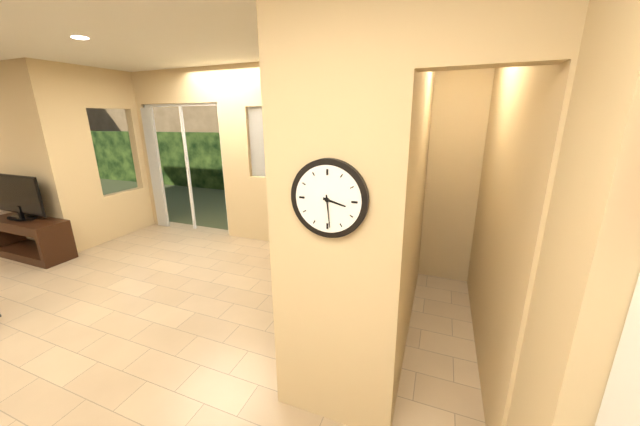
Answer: 3,29
